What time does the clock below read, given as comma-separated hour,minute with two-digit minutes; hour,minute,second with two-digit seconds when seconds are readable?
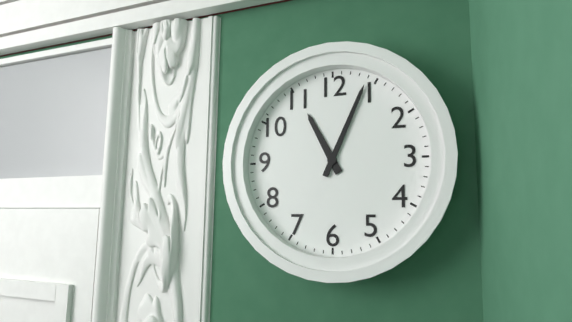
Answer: 11,04
